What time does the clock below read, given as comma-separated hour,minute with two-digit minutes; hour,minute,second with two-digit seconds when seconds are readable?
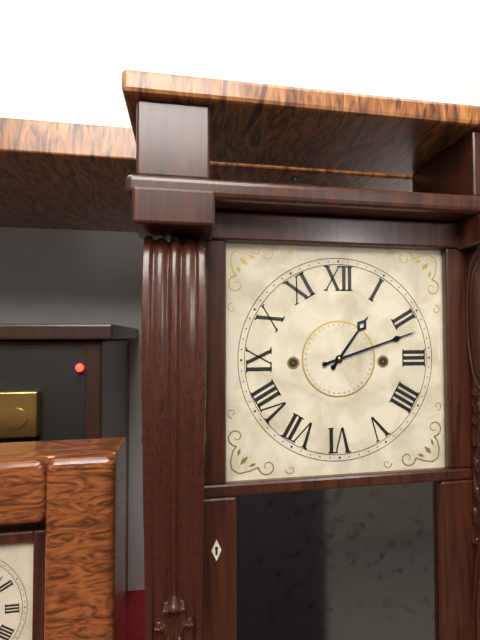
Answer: 1,12
